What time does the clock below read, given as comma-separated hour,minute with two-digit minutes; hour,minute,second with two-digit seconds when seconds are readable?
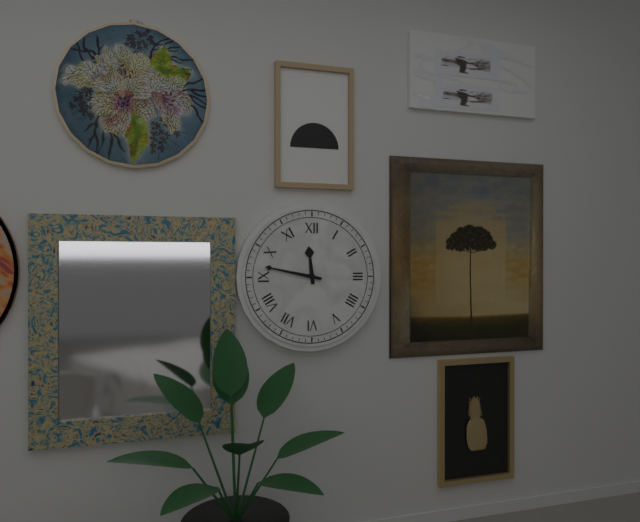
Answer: 11,47
